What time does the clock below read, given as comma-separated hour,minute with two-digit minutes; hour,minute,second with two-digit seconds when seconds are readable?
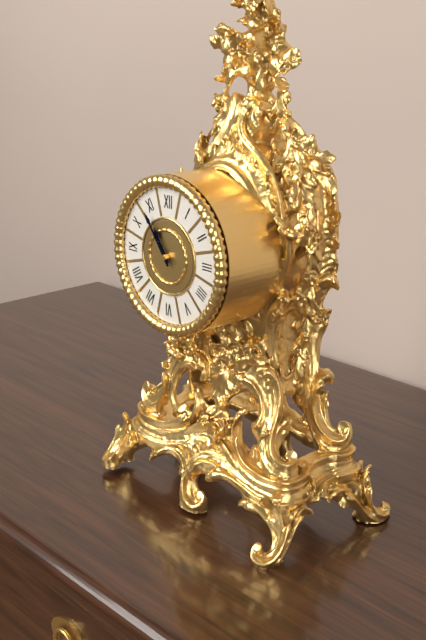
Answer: 10,54
